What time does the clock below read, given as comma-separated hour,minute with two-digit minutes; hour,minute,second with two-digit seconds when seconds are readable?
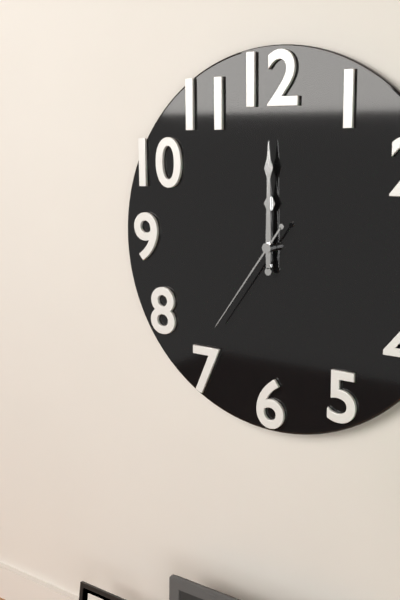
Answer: 12,00,36
